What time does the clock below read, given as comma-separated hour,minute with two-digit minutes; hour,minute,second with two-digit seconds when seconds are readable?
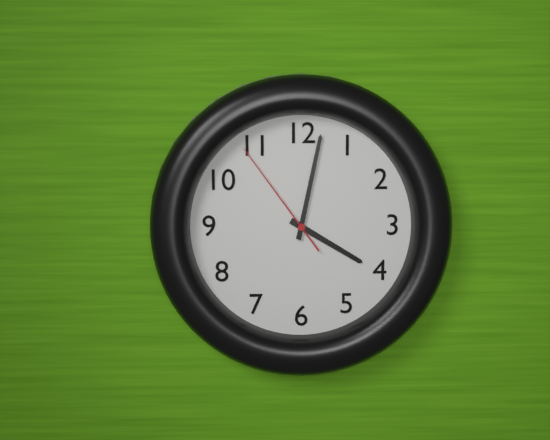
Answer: 4,02,54
